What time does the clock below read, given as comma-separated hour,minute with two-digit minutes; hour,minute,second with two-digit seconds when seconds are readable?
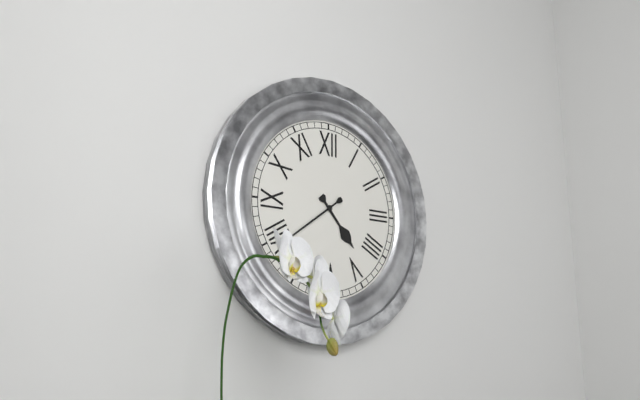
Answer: 4,39
